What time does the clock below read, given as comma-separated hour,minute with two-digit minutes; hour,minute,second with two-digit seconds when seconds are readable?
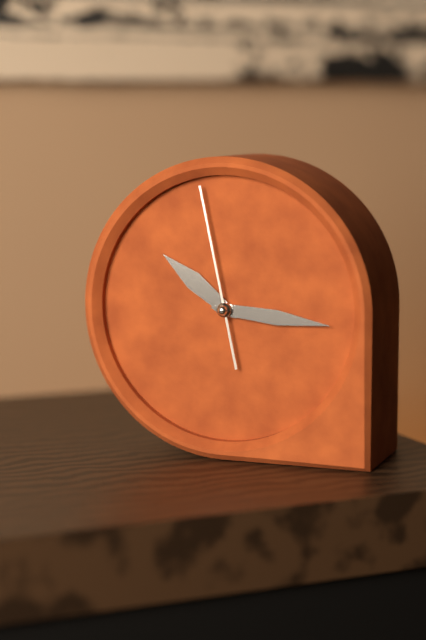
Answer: 10,16,58
